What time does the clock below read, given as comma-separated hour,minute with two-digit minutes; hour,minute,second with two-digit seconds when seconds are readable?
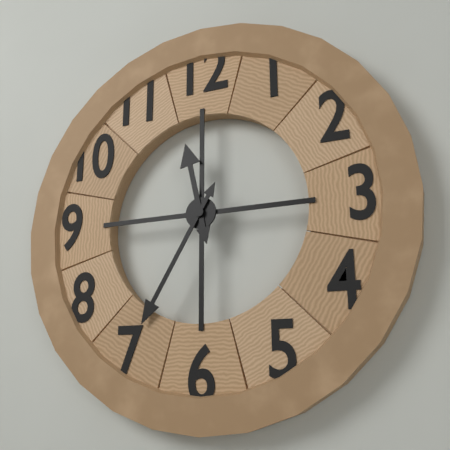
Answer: 11,35
